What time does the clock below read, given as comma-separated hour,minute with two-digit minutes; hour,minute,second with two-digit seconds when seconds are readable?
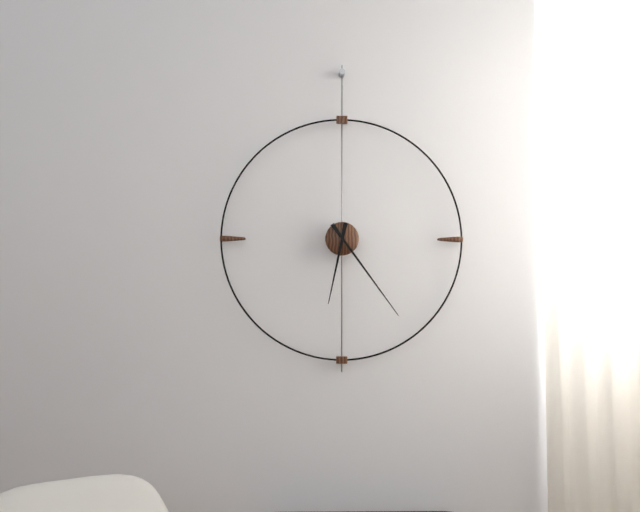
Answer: 6,24
